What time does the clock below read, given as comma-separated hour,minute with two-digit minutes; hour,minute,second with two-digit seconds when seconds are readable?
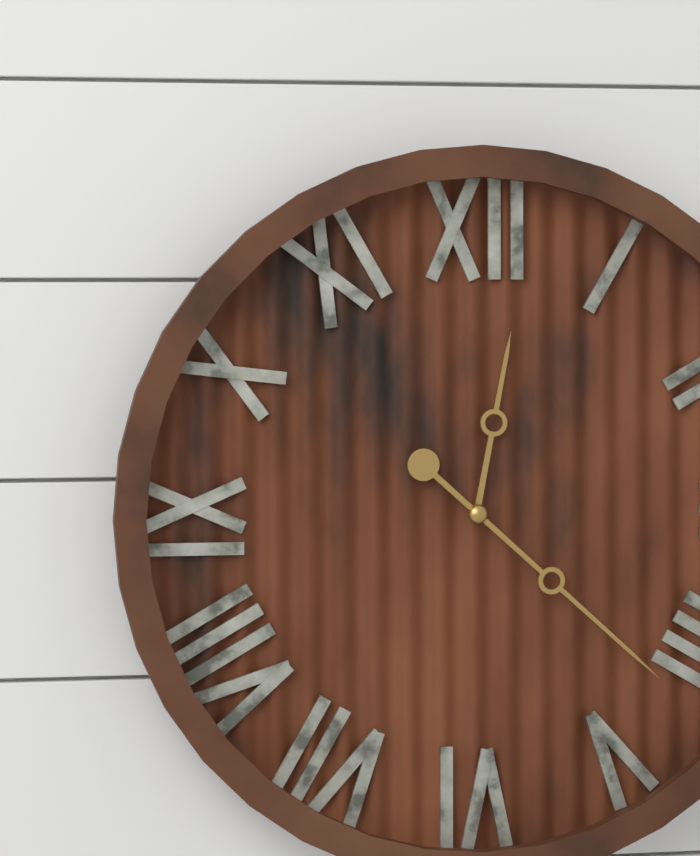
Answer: 12,22
